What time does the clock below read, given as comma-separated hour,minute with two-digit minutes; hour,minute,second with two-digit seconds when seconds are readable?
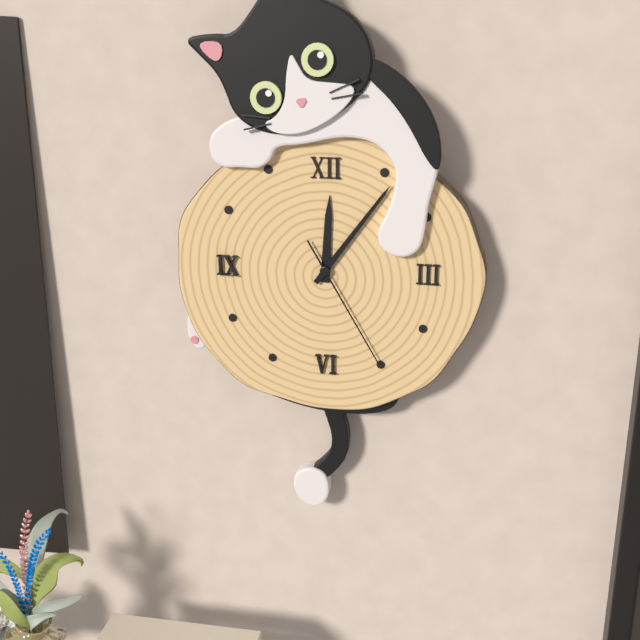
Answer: 12,06,25
